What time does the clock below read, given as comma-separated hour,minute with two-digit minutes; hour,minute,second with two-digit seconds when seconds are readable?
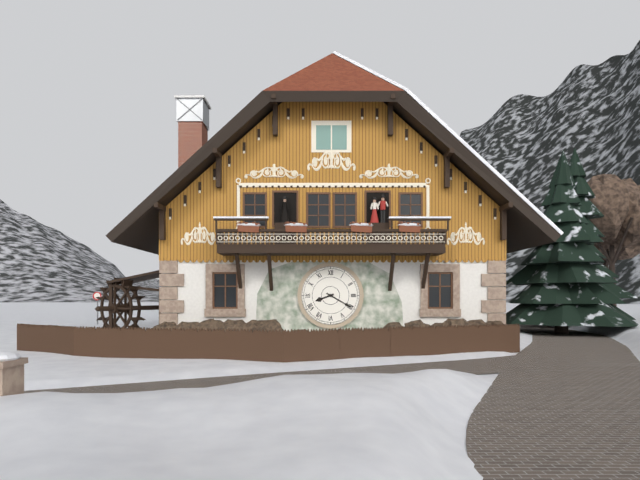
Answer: 8,20
